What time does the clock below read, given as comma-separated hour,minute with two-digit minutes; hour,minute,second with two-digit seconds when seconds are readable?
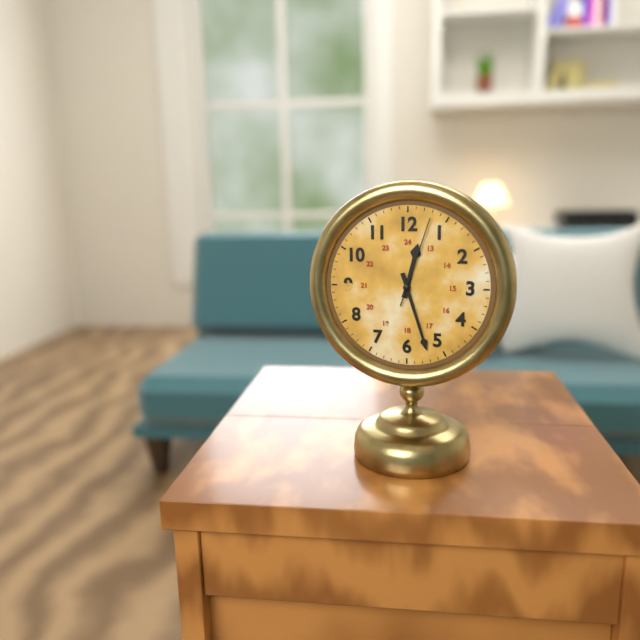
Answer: 12,27,03
